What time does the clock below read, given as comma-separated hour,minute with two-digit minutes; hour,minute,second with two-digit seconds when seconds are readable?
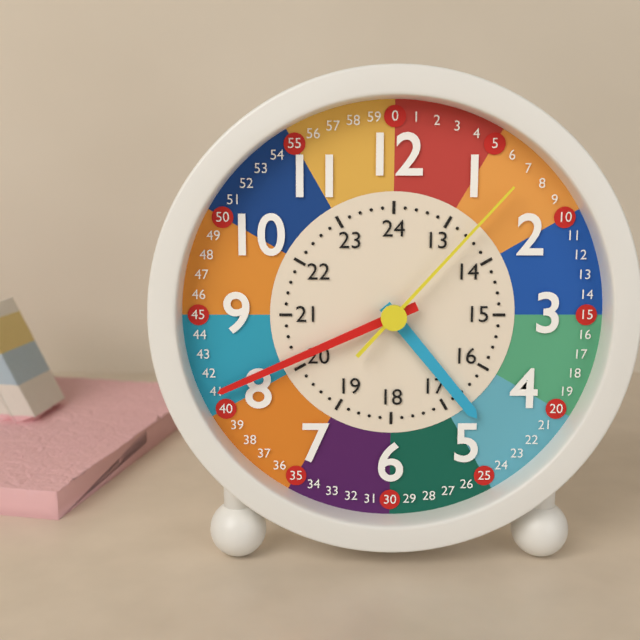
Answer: 4,41,07
